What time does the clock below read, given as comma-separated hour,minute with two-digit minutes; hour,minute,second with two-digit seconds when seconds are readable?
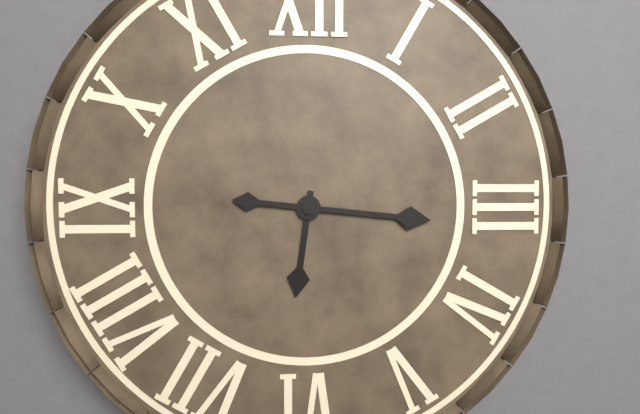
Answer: 6,16
